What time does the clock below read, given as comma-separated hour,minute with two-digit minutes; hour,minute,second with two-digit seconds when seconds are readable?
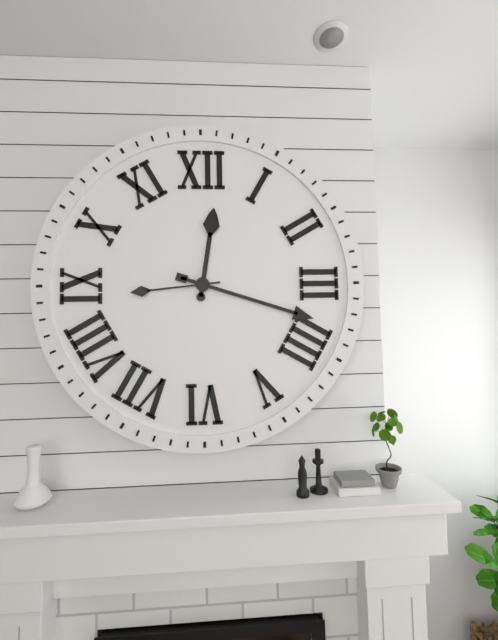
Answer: 12,18,44
